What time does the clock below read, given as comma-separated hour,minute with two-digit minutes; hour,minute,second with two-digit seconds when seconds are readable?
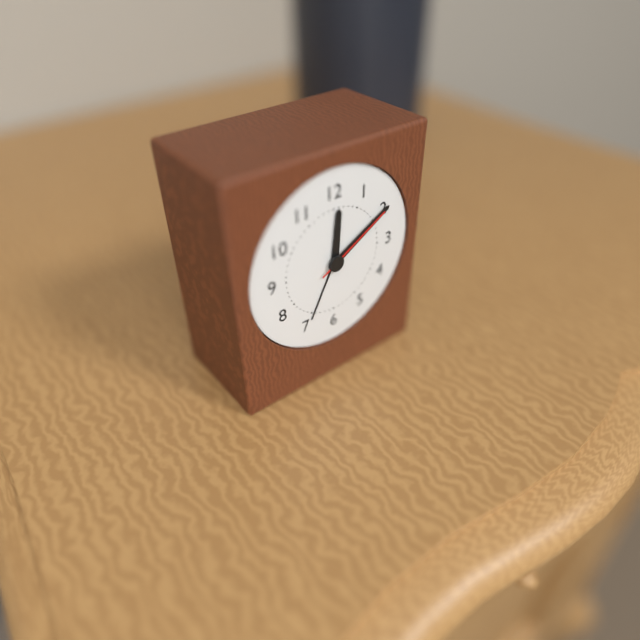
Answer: 12,10,10
